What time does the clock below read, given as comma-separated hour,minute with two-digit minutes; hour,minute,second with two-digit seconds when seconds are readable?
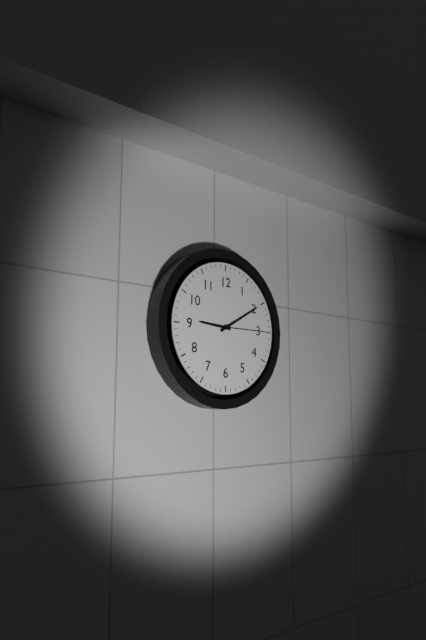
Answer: 9,10,15
